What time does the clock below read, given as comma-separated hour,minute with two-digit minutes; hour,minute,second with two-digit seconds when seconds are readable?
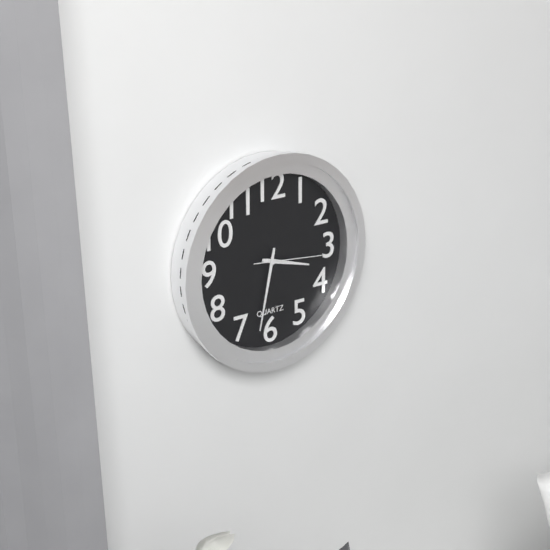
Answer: 3,32,16
